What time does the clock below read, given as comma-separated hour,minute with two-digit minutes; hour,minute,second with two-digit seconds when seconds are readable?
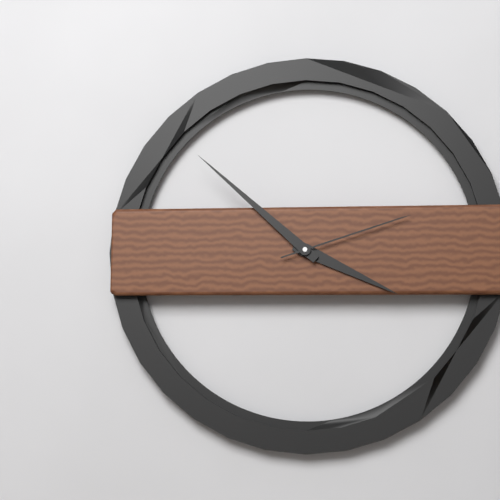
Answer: 3,52,12
